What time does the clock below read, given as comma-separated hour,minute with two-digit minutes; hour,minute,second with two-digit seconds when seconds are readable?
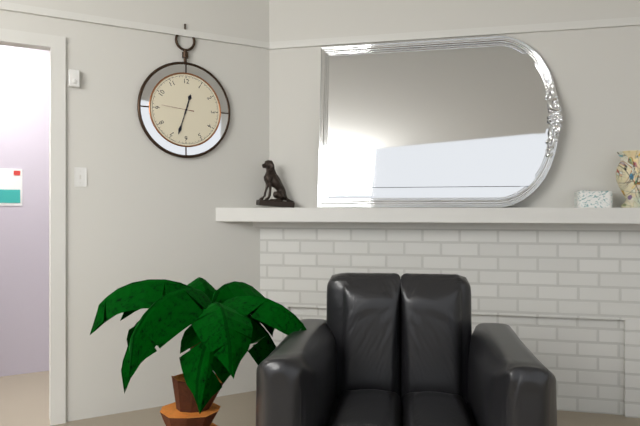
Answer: 12,33
